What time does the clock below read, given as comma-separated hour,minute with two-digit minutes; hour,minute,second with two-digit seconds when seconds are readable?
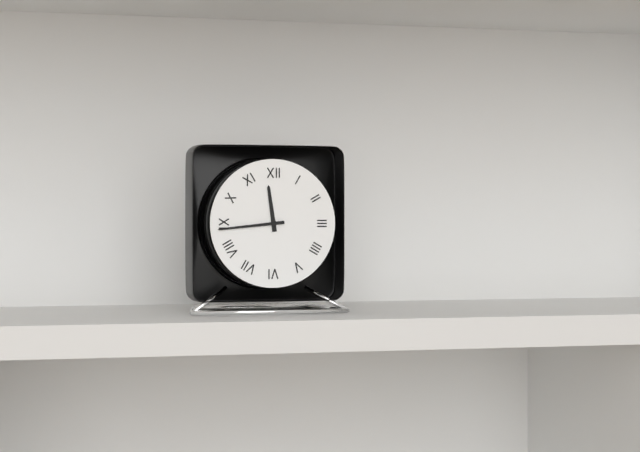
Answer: 11,44
